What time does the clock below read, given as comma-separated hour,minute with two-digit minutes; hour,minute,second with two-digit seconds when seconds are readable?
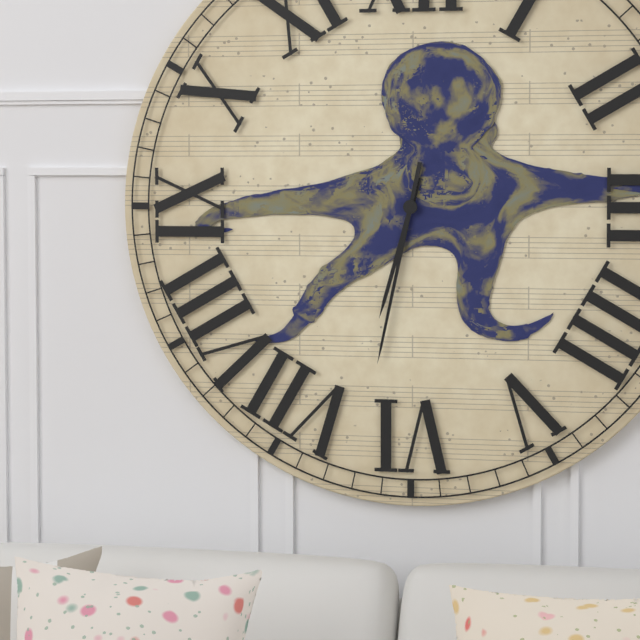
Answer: 6,32
